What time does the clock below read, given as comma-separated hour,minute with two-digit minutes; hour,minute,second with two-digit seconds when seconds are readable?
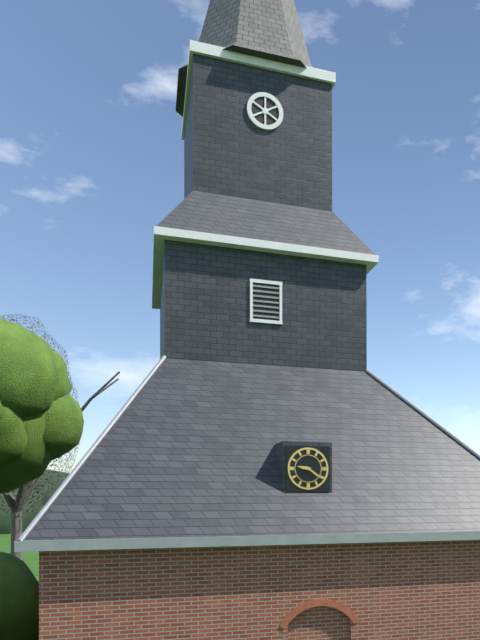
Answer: 9,21
